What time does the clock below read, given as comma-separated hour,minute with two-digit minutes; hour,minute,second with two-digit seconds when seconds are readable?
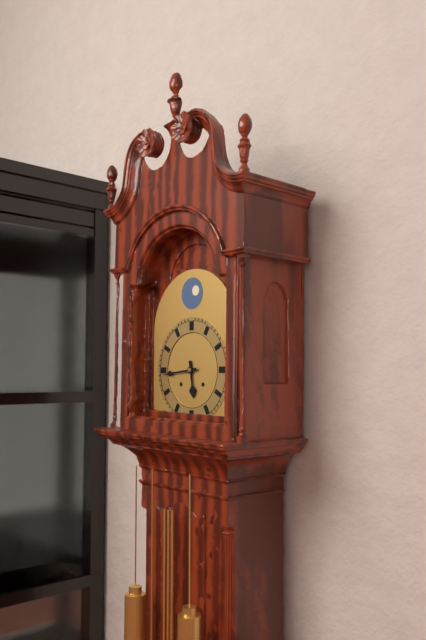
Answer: 5,44
